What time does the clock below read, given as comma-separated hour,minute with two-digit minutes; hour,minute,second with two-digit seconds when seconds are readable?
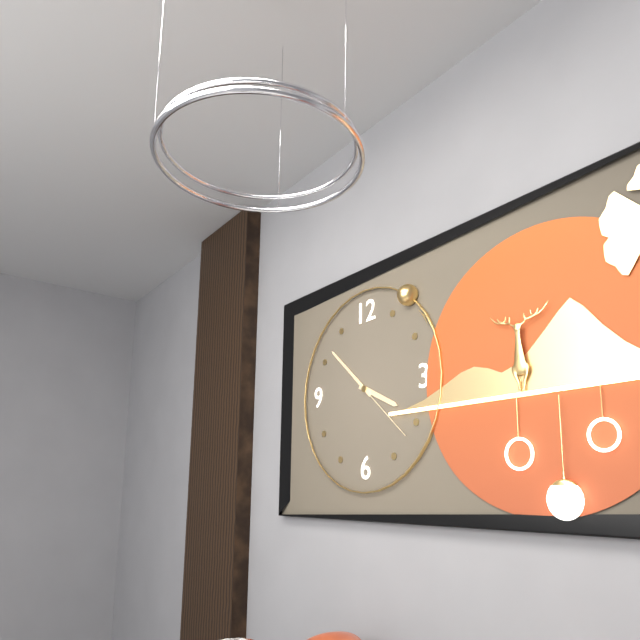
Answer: 3,52,22
